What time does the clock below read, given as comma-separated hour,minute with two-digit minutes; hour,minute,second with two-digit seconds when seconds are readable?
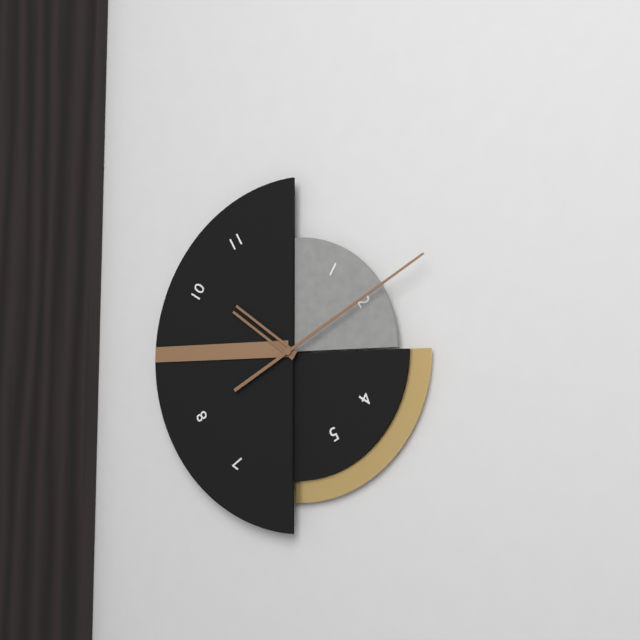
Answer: 10,10
